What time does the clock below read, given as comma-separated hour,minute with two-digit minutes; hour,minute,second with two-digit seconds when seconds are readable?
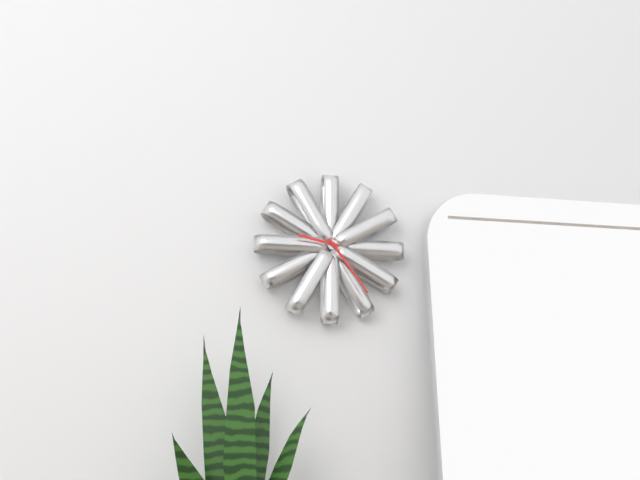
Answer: 9,24
